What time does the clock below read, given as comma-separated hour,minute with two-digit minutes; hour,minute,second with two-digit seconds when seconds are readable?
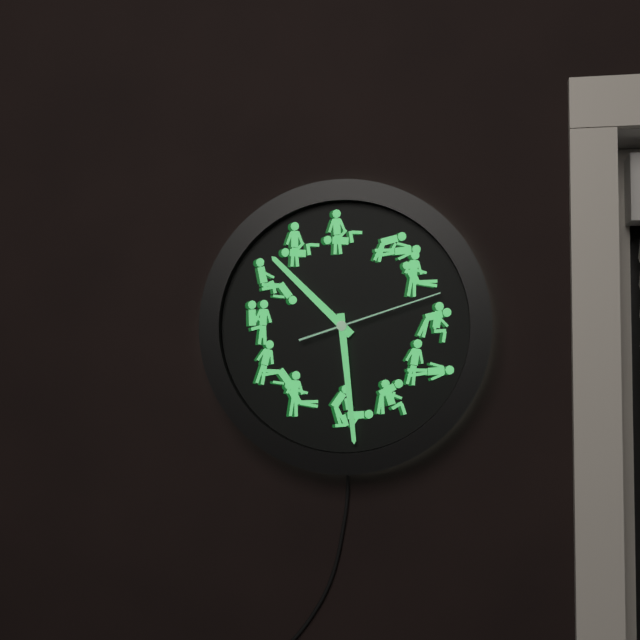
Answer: 10,29,12
